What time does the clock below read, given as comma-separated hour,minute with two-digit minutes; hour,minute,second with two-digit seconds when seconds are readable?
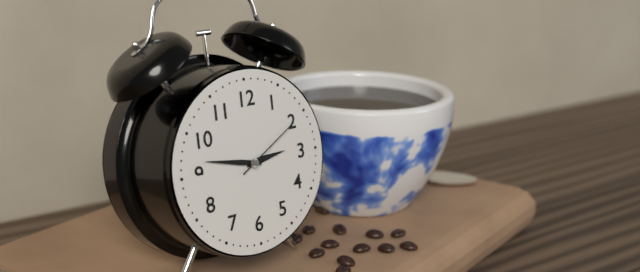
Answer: 2,47,10
